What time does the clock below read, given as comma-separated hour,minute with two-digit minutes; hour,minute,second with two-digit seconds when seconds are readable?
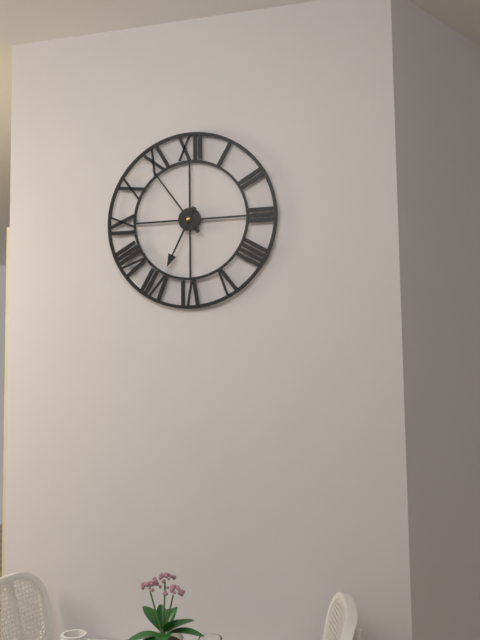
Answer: 6,54
